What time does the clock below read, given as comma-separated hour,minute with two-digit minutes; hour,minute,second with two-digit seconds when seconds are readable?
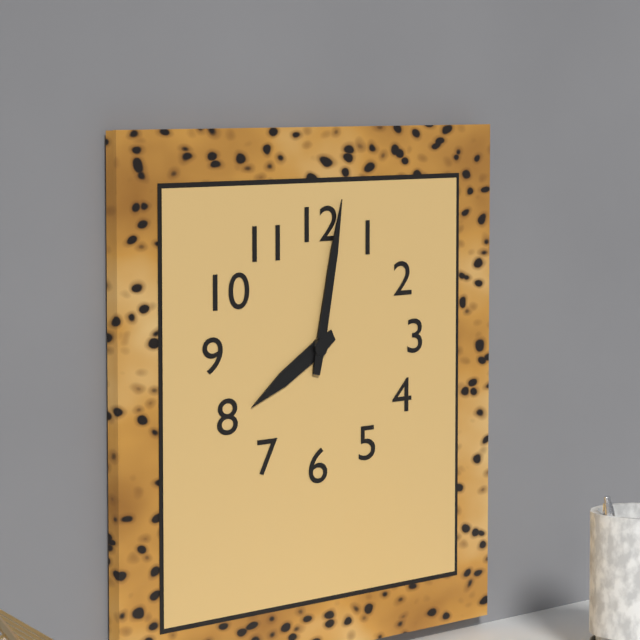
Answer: 8,02
